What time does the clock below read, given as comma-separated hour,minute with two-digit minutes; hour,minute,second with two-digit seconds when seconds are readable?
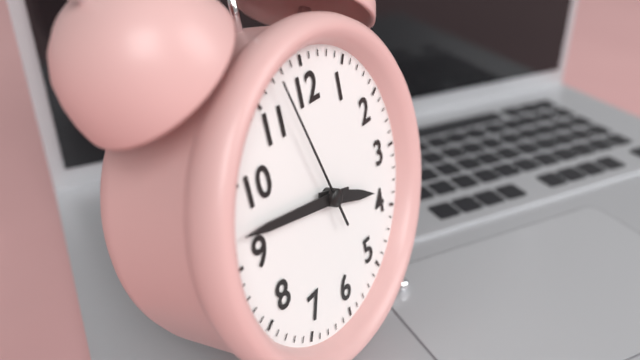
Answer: 3,47,57
